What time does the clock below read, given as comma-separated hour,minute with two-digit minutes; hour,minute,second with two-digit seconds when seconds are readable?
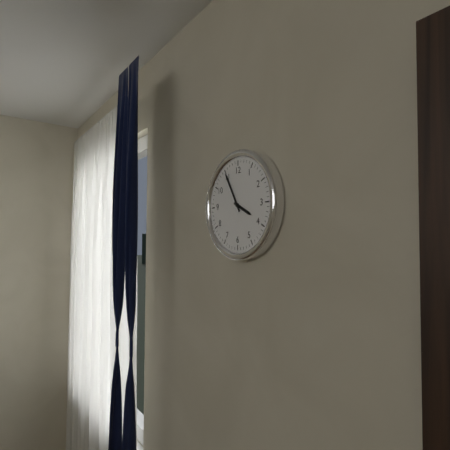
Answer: 3,55
